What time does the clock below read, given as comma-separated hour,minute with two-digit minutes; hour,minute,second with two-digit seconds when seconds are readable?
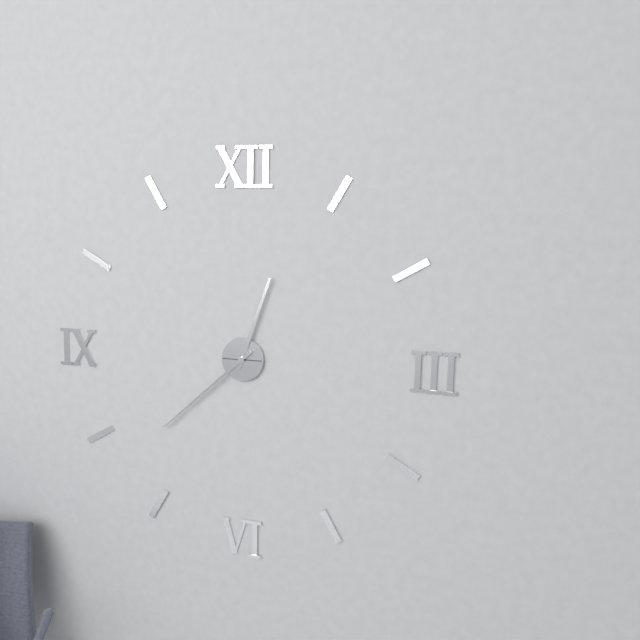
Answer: 12,38
